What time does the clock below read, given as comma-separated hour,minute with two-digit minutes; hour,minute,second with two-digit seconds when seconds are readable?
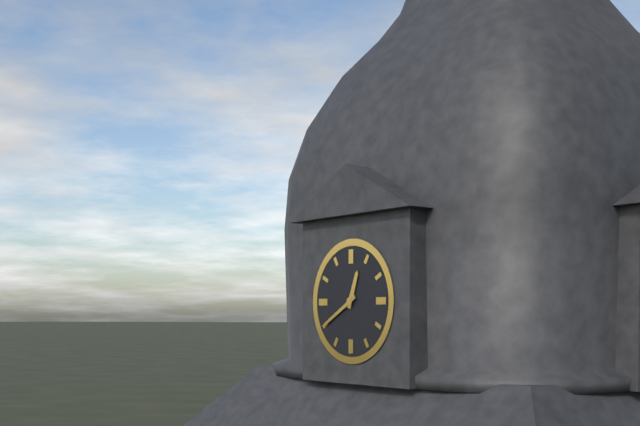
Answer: 12,40
